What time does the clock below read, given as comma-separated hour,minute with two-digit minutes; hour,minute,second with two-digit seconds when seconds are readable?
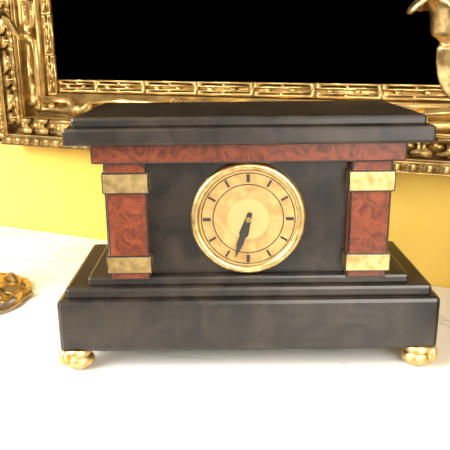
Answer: 6,33
